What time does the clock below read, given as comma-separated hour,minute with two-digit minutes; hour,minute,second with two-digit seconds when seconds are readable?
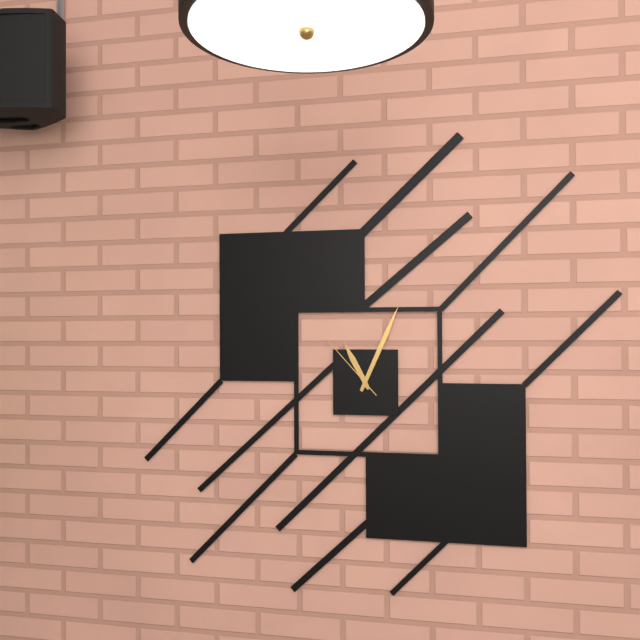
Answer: 11,04,53
